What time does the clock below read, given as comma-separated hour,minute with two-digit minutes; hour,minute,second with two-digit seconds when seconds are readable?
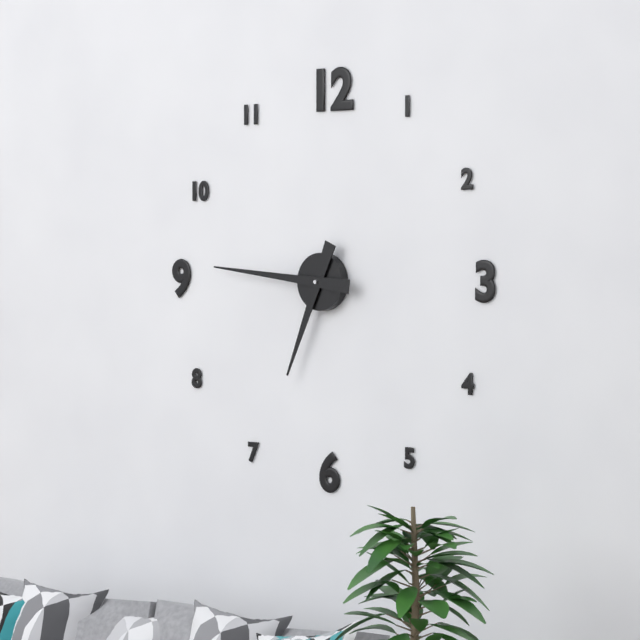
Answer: 6,46
